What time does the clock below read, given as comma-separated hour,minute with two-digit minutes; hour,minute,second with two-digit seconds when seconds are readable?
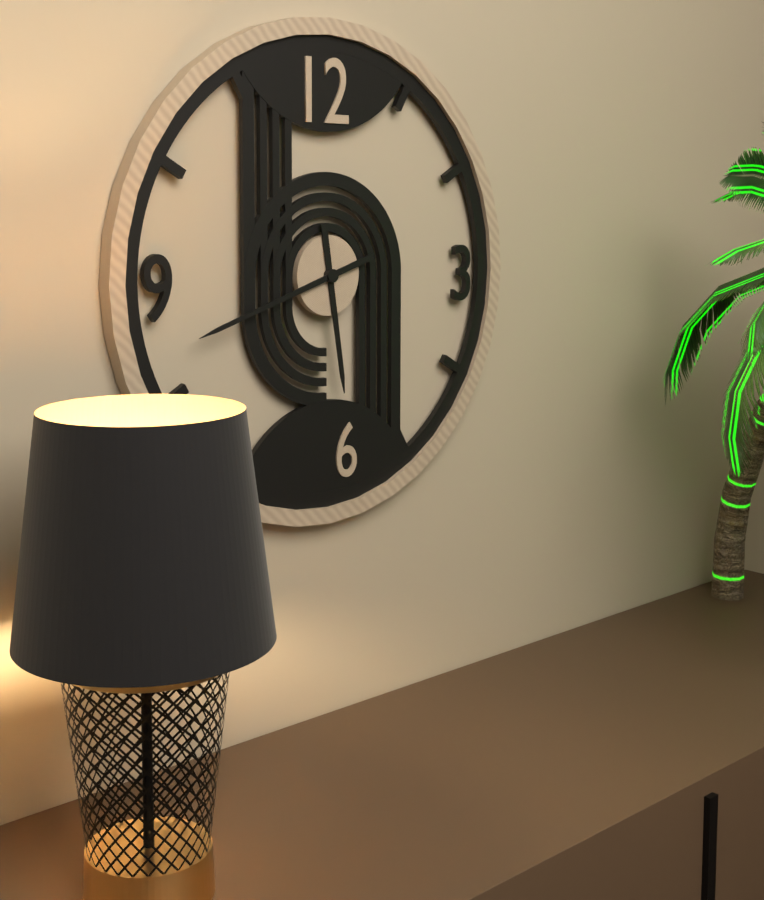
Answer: 5,42
